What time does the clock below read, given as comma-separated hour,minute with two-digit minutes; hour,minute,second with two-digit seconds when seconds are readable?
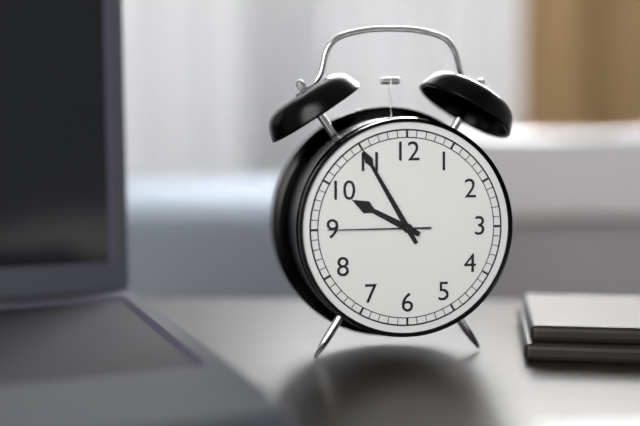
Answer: 9,55,45
